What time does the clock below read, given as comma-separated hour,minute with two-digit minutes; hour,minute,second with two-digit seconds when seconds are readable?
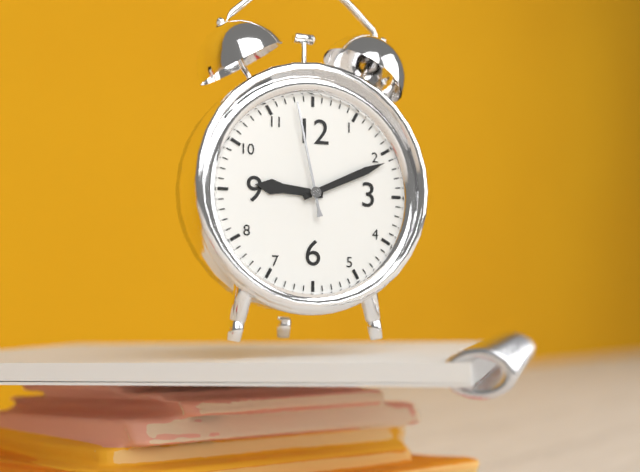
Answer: 9,11,58
